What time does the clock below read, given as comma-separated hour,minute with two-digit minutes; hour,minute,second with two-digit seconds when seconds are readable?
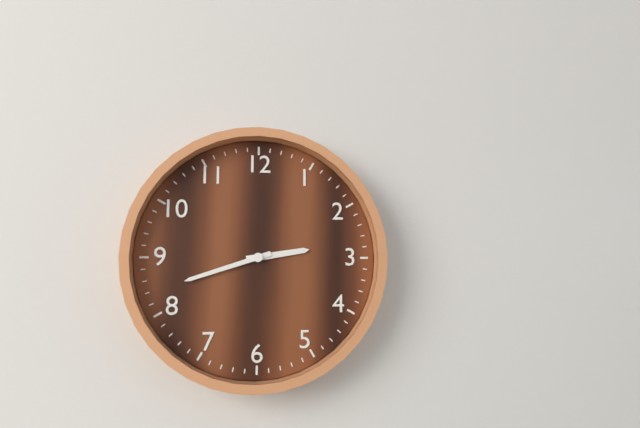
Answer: 2,42
